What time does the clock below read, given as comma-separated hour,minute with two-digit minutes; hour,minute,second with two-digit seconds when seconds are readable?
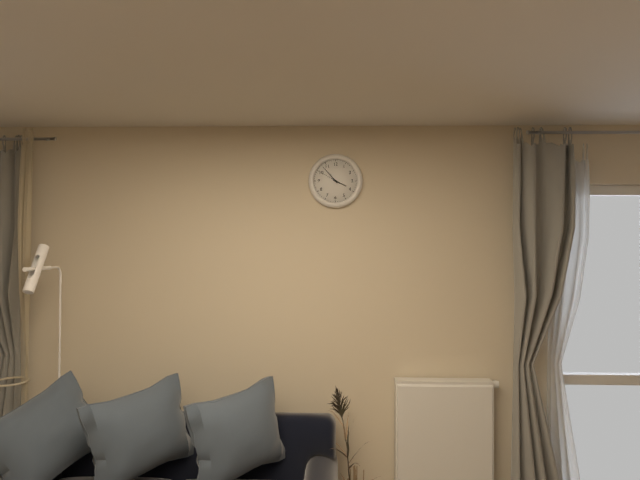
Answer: 3,53
